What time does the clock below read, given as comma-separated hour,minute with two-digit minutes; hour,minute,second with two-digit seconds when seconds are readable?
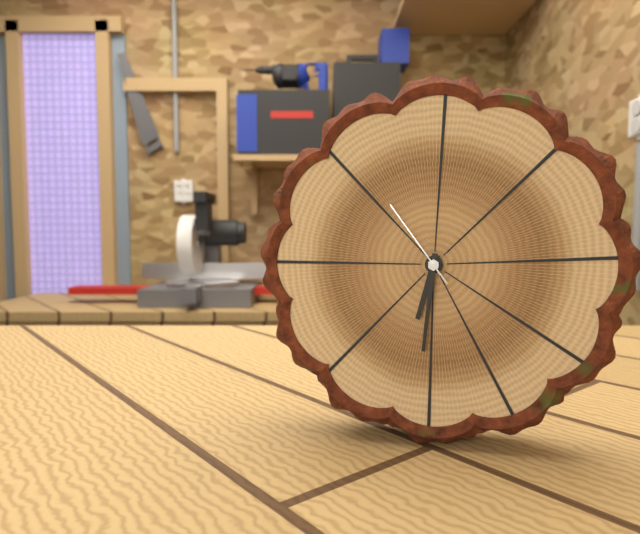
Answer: 6,31,54
